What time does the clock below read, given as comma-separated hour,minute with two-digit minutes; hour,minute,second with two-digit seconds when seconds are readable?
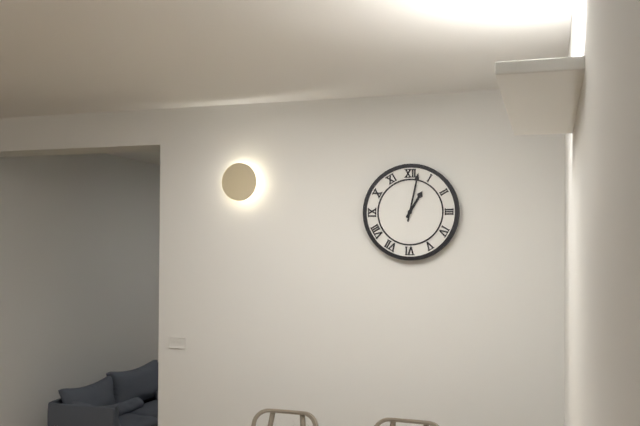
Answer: 1,02
